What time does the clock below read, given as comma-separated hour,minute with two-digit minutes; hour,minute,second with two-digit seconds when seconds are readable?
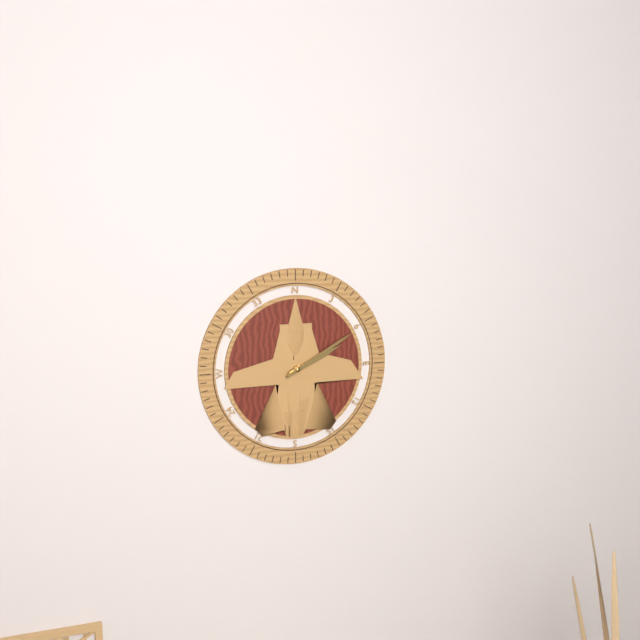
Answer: 2,10
